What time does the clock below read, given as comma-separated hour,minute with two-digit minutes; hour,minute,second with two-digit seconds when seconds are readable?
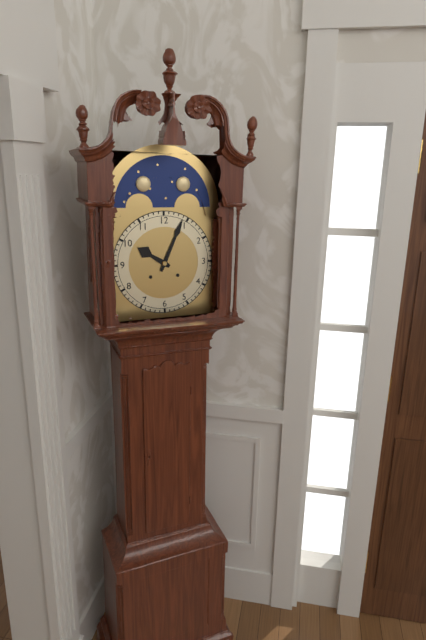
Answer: 10,04
